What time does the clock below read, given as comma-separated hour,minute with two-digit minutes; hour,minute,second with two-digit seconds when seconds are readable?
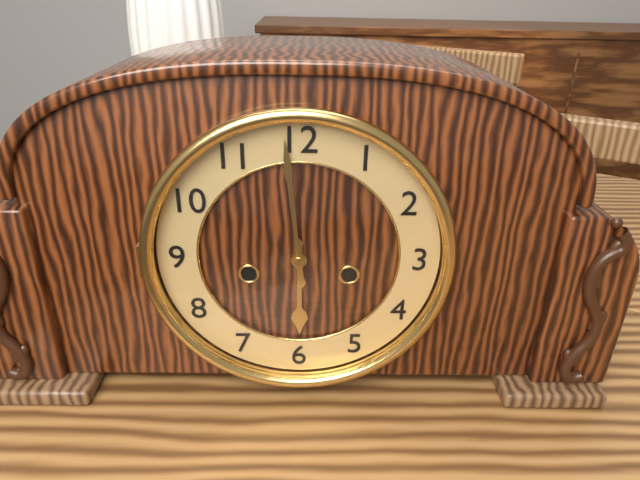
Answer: 5,59
